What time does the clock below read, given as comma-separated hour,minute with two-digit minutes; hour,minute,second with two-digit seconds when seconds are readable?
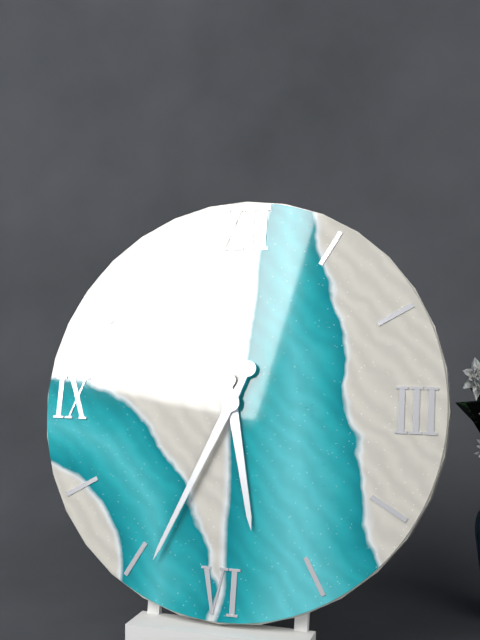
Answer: 5,34
